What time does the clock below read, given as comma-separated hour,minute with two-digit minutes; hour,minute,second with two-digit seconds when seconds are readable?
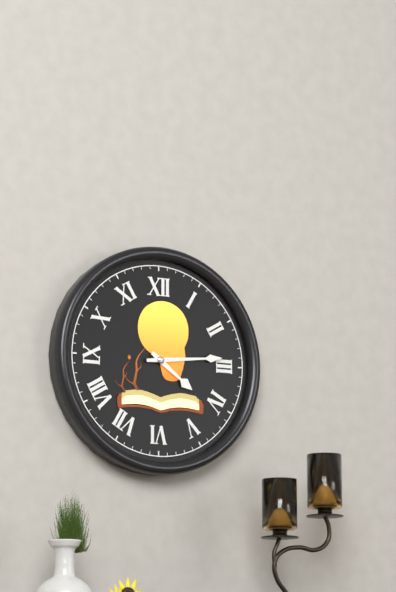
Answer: 4,14
